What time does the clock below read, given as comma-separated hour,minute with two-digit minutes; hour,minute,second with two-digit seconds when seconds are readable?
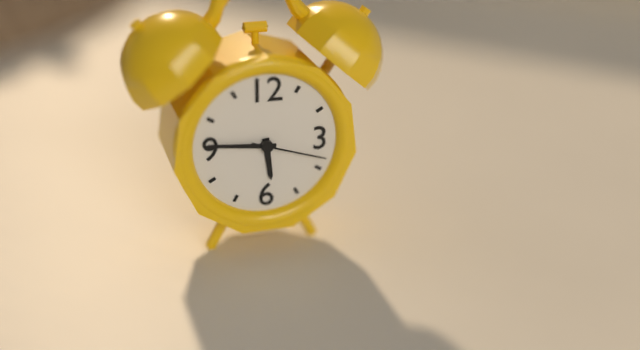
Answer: 5,46,18
